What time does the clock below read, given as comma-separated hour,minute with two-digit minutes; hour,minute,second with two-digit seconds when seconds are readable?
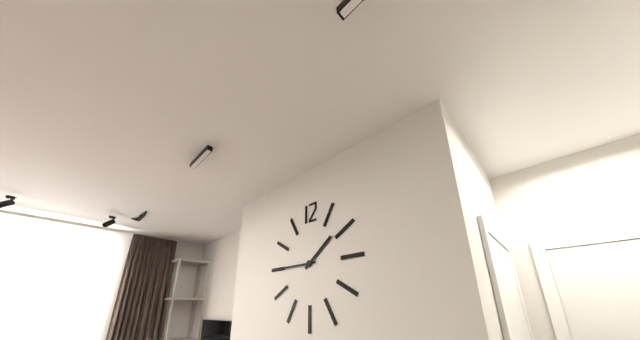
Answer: 1,45
